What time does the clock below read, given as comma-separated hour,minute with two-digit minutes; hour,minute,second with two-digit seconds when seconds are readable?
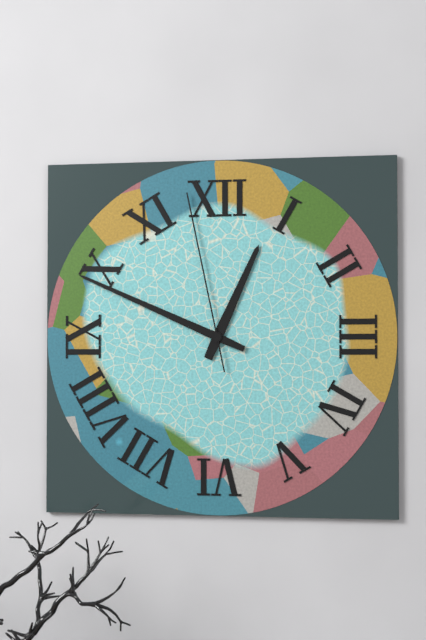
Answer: 12,49,58
